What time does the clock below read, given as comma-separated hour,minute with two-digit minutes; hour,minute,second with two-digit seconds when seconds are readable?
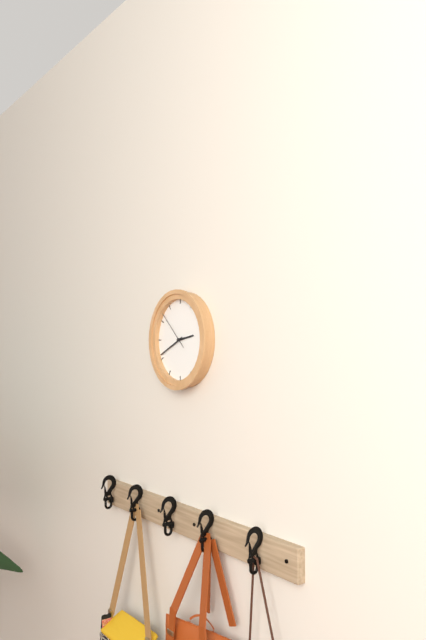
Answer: 2,41
